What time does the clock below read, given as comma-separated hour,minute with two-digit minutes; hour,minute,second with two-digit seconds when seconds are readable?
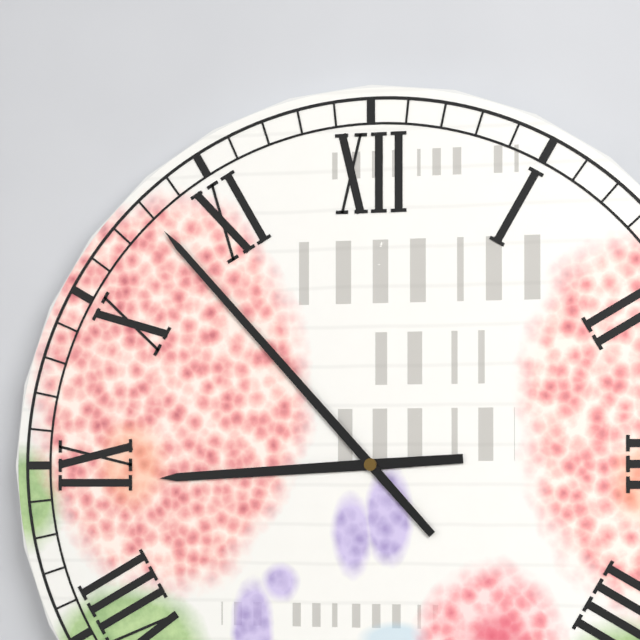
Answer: 8,53
